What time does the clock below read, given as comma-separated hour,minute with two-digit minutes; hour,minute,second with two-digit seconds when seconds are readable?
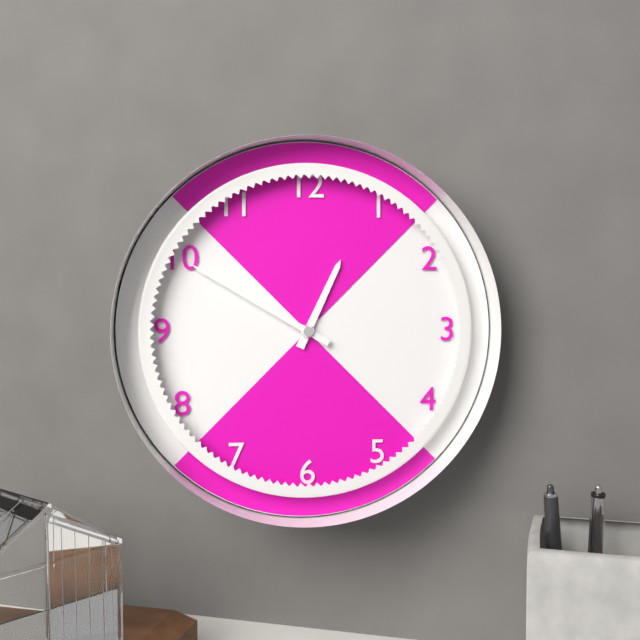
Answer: 12,50
